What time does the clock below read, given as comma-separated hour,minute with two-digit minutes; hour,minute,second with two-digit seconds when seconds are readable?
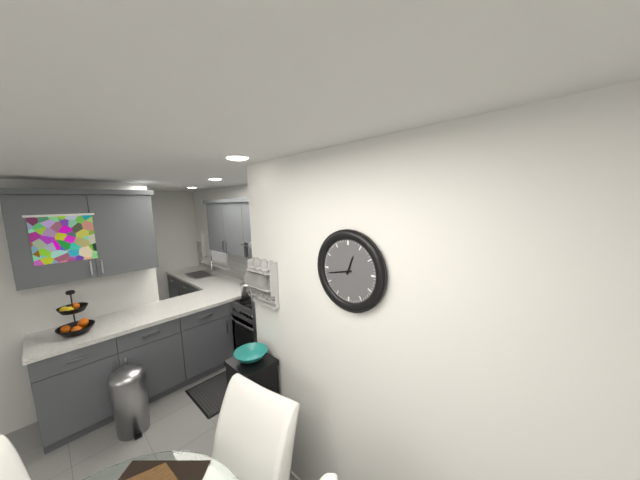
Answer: 12,43
